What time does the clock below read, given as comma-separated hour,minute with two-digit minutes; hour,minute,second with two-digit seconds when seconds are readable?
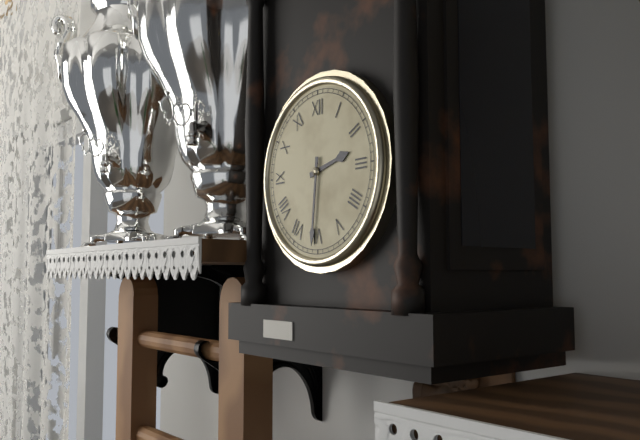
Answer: 2,31
